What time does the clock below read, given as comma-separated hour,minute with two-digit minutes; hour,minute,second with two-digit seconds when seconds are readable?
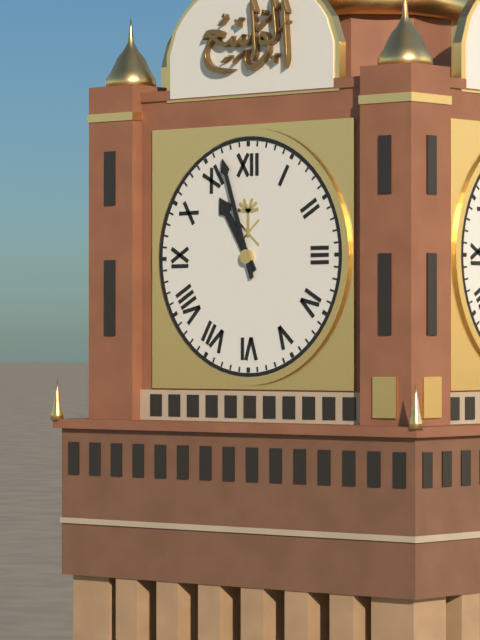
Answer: 10,57
